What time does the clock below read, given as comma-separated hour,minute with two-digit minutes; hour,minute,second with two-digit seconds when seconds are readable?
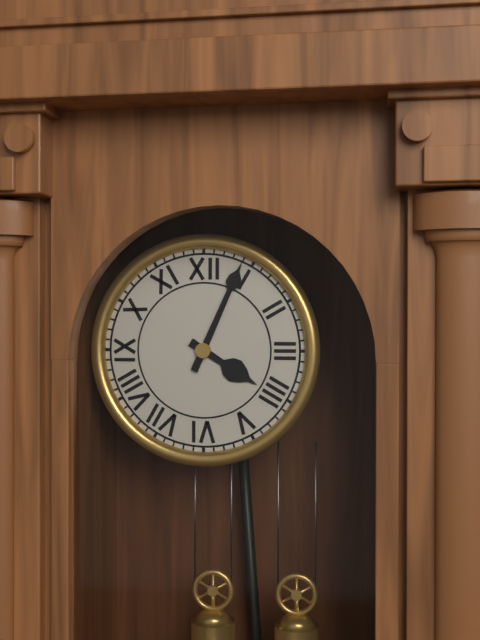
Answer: 4,04
